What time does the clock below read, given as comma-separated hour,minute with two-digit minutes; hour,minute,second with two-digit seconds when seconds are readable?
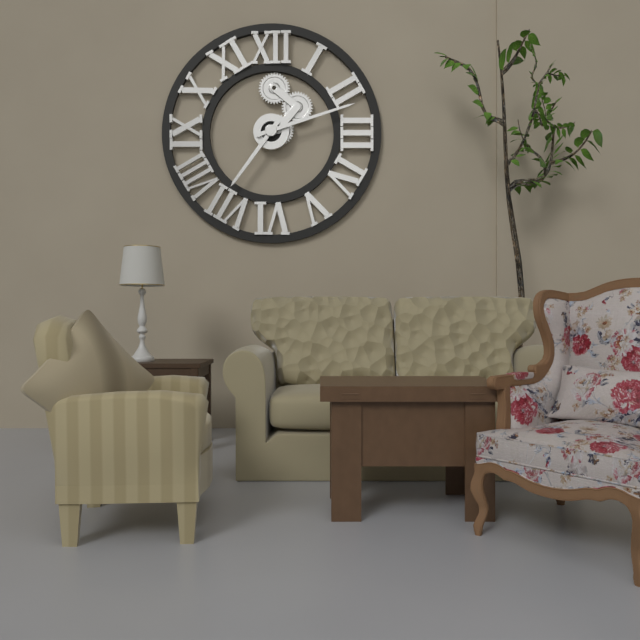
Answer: 7,12
